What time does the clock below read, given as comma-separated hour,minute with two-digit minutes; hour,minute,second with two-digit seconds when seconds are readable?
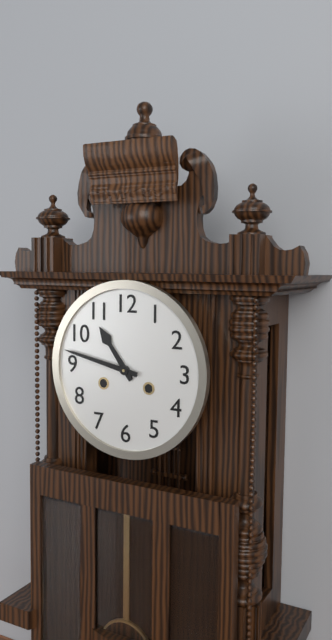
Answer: 10,47
